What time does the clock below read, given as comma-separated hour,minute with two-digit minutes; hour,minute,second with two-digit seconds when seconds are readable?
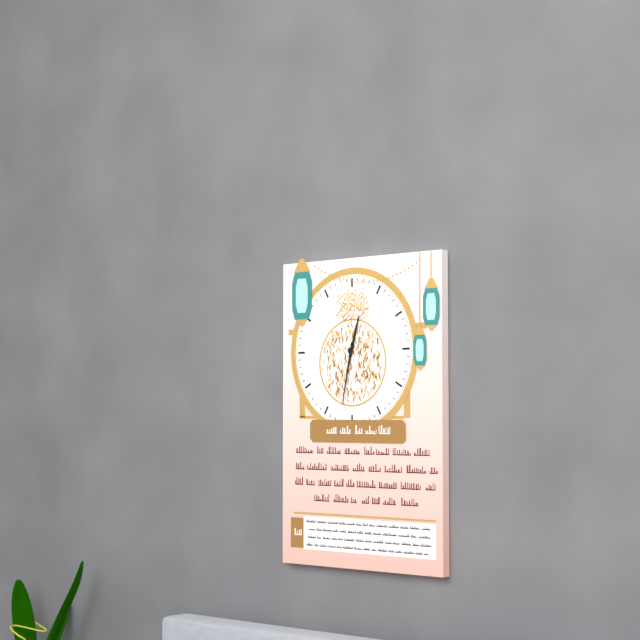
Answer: 12,32
